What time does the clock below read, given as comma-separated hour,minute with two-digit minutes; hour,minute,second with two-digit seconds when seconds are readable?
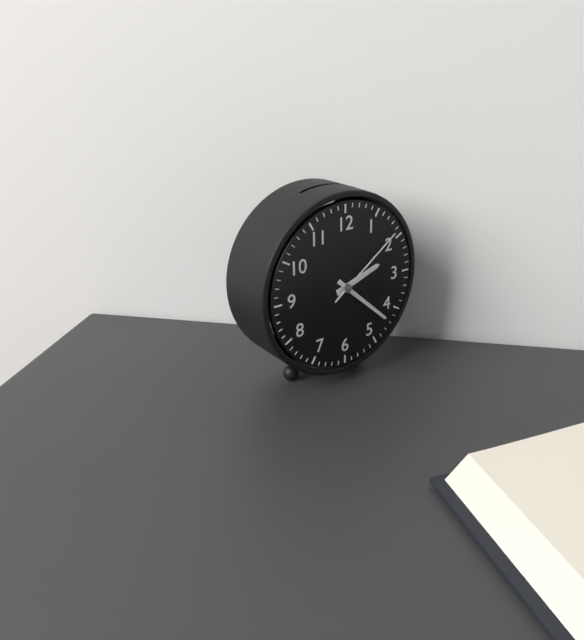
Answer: 2,22,09
